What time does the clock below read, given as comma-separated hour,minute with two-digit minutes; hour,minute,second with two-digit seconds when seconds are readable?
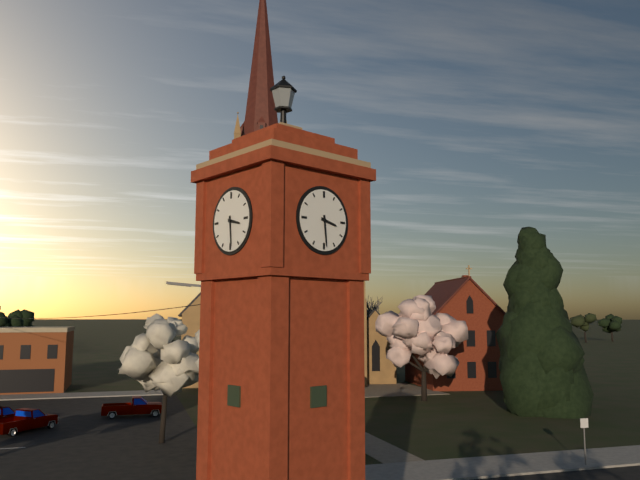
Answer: 3,29
